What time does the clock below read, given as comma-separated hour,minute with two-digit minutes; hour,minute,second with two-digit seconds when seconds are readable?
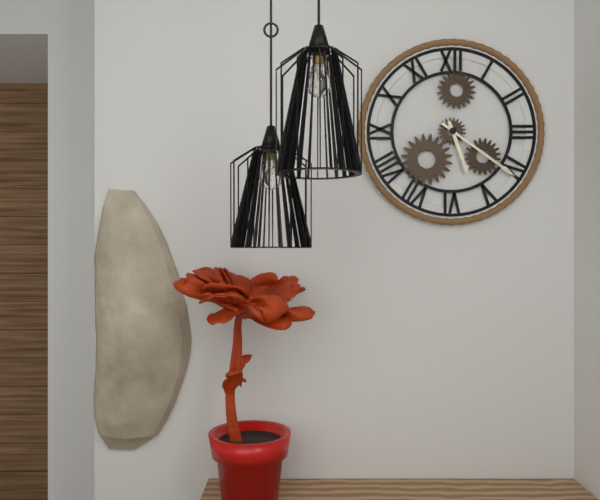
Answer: 5,21
